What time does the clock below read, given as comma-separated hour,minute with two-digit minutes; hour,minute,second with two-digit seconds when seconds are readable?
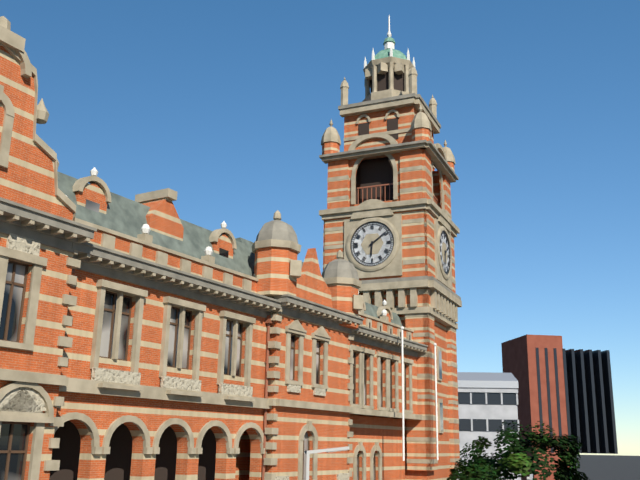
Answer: 6,09
